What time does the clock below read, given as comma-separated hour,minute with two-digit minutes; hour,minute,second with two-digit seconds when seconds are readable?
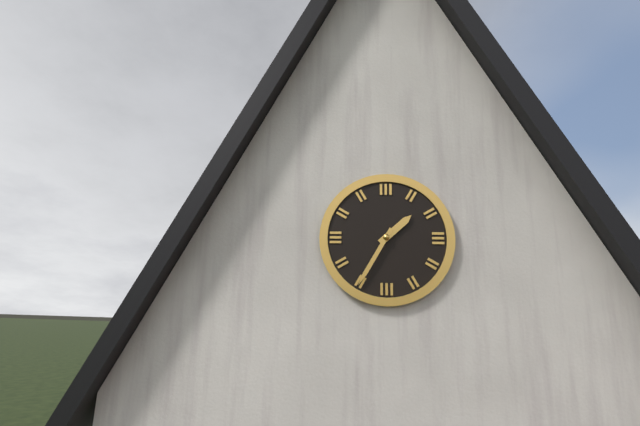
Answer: 1,35
